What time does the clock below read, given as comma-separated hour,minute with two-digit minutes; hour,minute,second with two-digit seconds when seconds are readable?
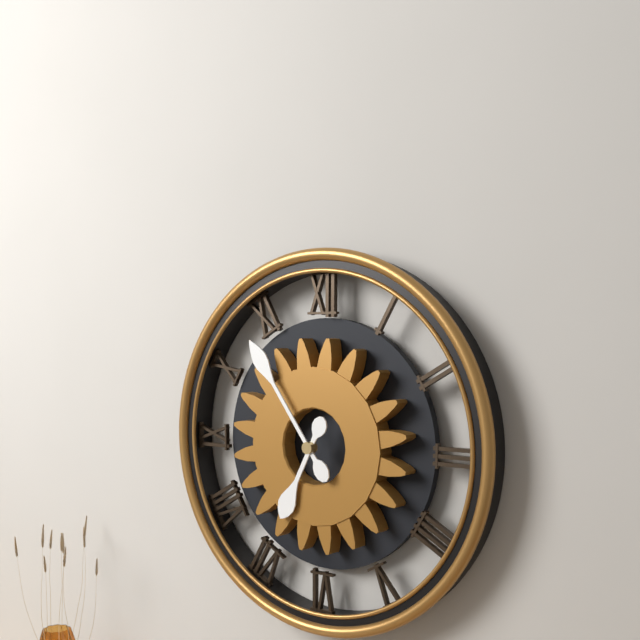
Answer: 6,54
